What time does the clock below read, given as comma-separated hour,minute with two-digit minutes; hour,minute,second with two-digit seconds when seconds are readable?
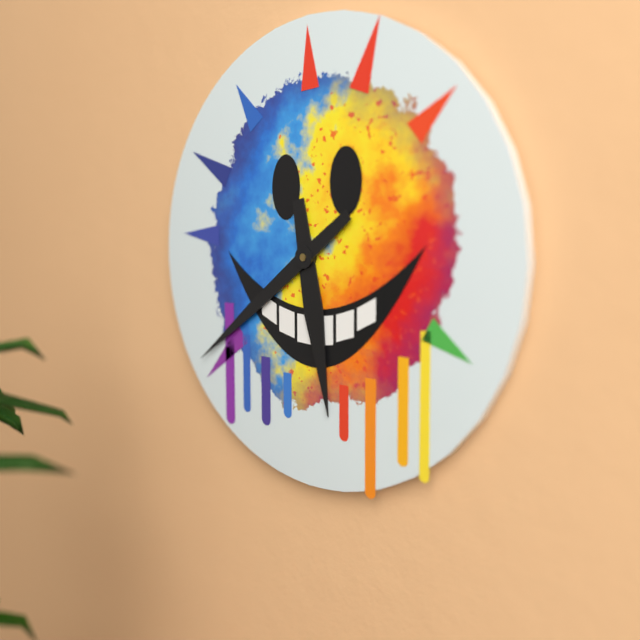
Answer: 5,39
